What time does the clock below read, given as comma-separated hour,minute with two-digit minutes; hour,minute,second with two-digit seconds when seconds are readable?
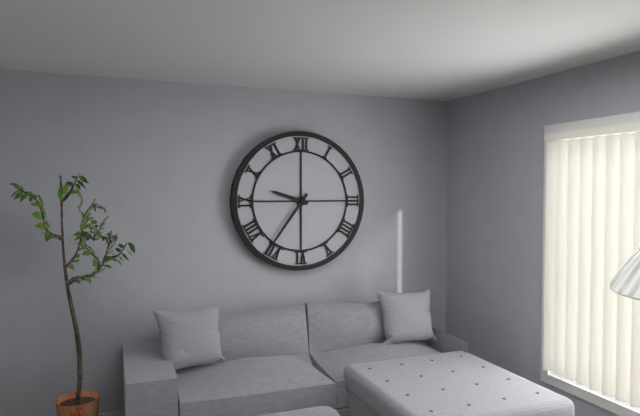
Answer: 9,36
